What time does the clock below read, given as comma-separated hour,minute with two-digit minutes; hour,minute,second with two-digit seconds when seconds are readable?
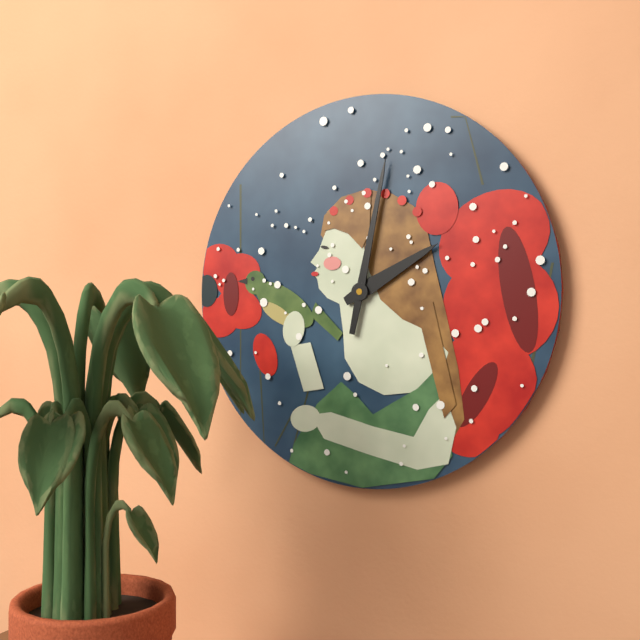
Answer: 2,02
